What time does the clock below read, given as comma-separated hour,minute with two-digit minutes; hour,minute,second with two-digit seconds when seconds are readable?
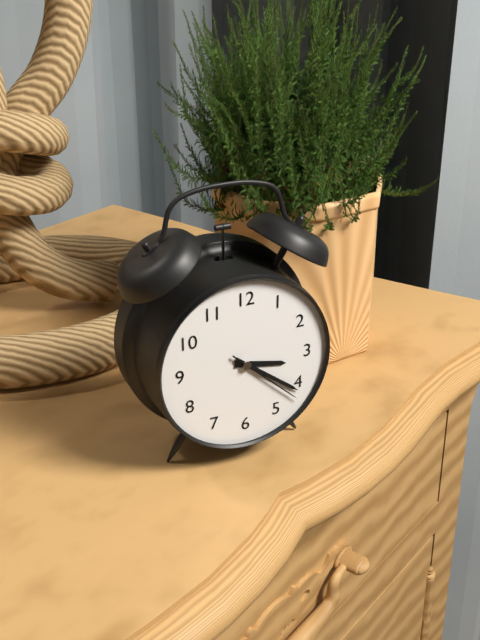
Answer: 3,21,22
